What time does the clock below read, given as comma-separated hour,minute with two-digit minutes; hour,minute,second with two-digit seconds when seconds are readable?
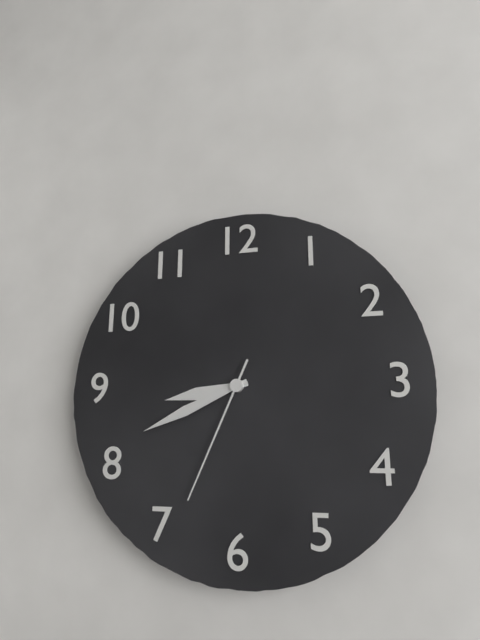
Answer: 8,41,34
